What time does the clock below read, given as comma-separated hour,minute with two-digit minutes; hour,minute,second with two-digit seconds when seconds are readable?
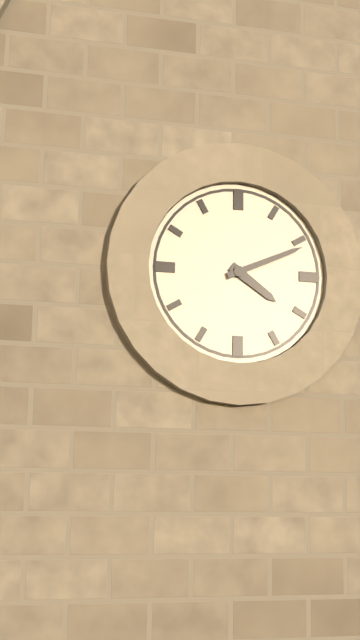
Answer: 4,11
